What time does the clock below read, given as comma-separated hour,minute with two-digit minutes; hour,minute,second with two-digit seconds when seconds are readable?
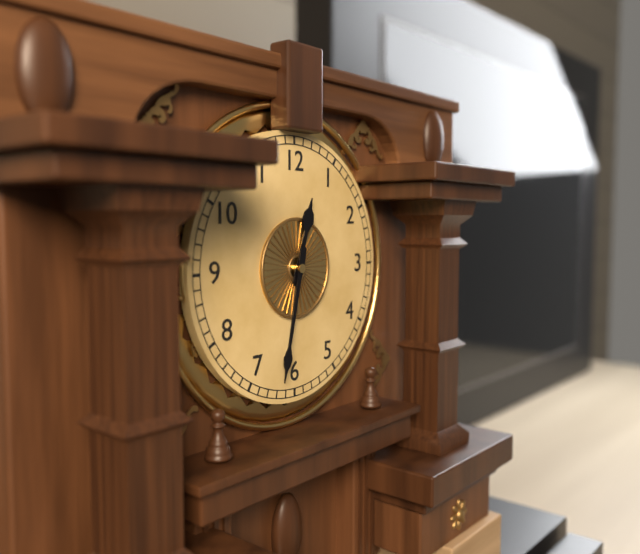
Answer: 12,32
